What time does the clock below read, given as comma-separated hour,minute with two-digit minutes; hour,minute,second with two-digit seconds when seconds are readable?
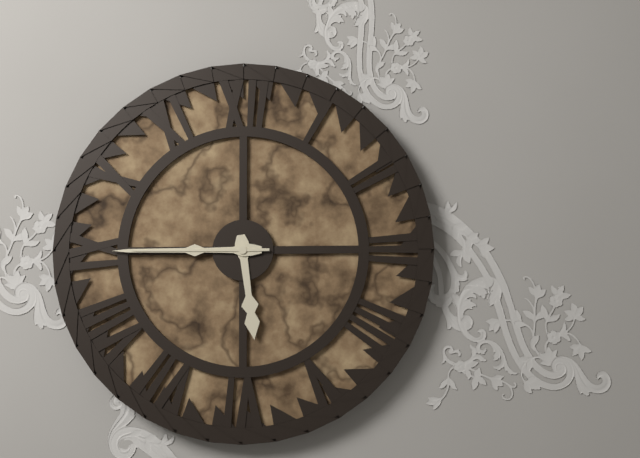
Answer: 5,45,45
